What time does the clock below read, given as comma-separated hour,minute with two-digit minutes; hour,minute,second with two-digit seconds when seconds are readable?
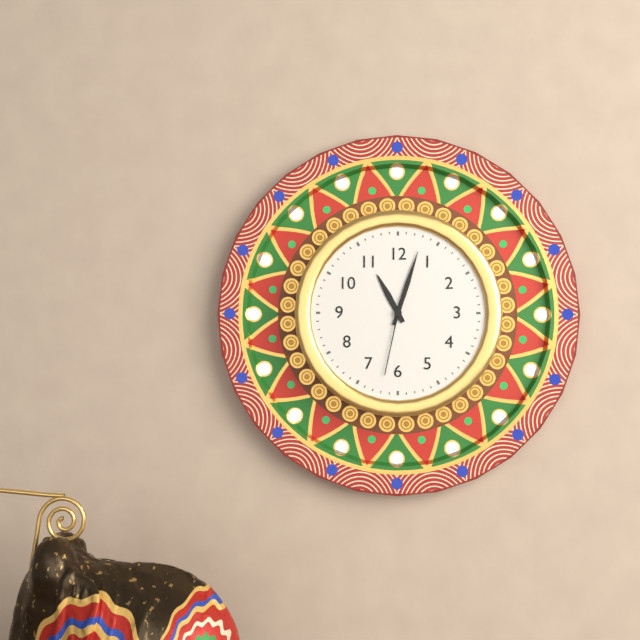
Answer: 11,03,32
